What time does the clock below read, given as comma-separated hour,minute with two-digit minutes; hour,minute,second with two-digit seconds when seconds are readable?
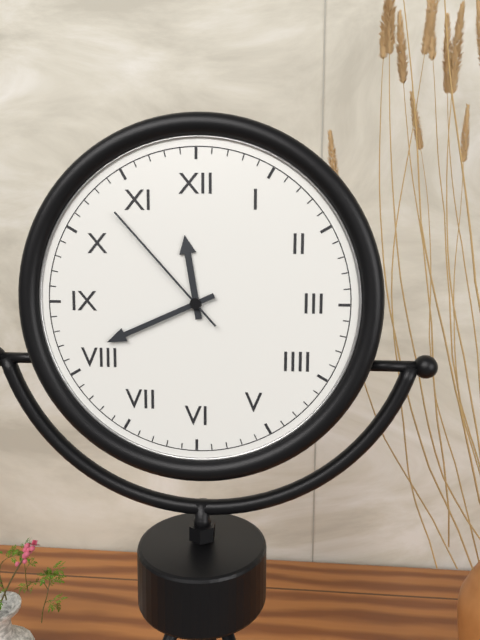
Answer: 11,41,53
